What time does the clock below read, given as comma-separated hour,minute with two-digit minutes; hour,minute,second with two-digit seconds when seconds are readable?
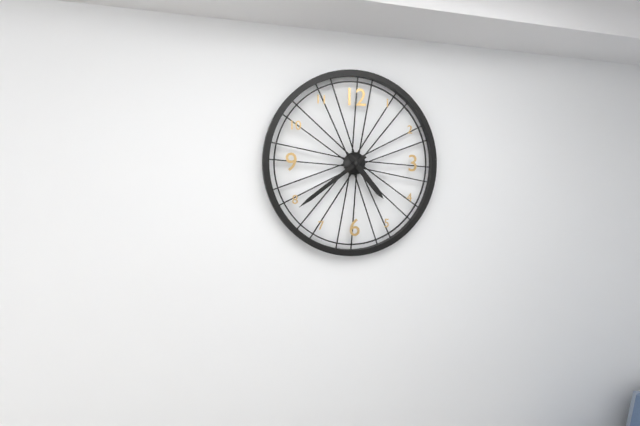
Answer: 4,39
